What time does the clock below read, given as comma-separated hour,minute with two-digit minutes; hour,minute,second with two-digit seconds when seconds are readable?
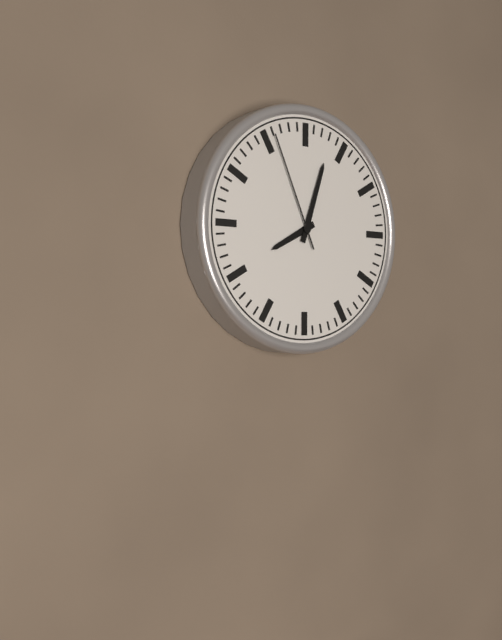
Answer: 8,03,56
